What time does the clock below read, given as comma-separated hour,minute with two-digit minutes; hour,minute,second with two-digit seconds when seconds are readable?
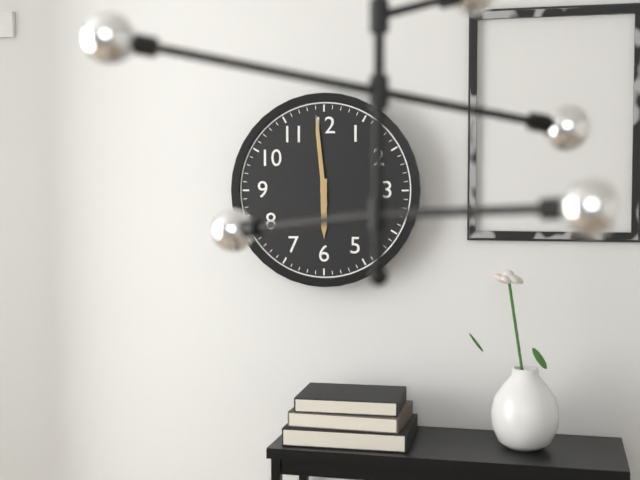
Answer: 5,59
